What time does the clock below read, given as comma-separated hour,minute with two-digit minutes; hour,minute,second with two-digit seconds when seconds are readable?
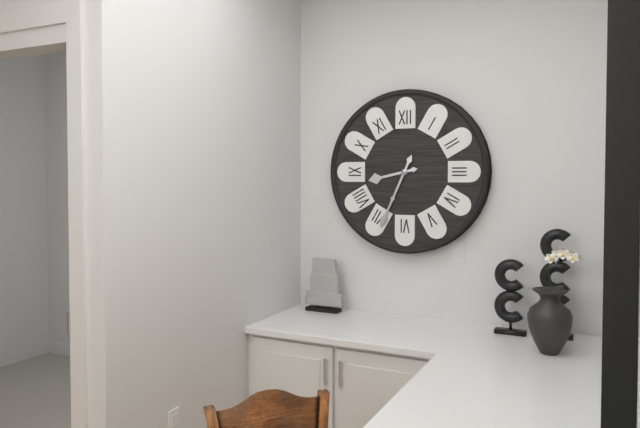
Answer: 8,34
